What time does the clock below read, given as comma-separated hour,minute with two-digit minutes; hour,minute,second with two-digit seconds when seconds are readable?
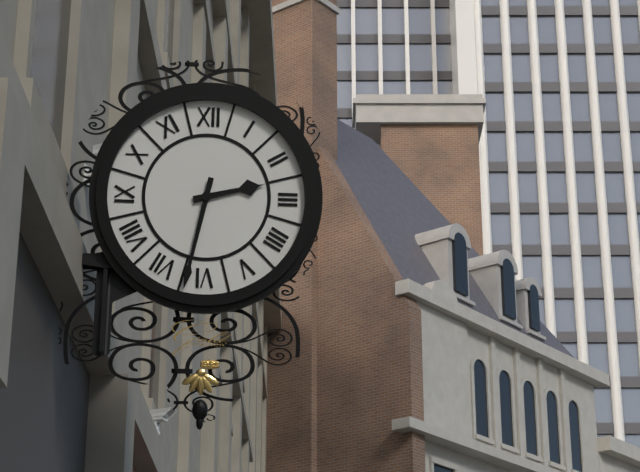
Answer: 2,32
